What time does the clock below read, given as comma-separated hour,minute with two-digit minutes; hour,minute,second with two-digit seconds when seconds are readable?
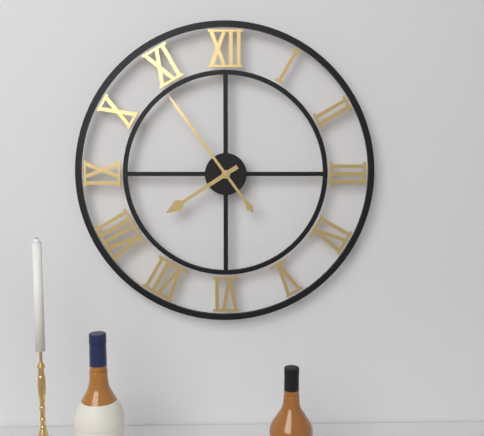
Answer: 7,54
